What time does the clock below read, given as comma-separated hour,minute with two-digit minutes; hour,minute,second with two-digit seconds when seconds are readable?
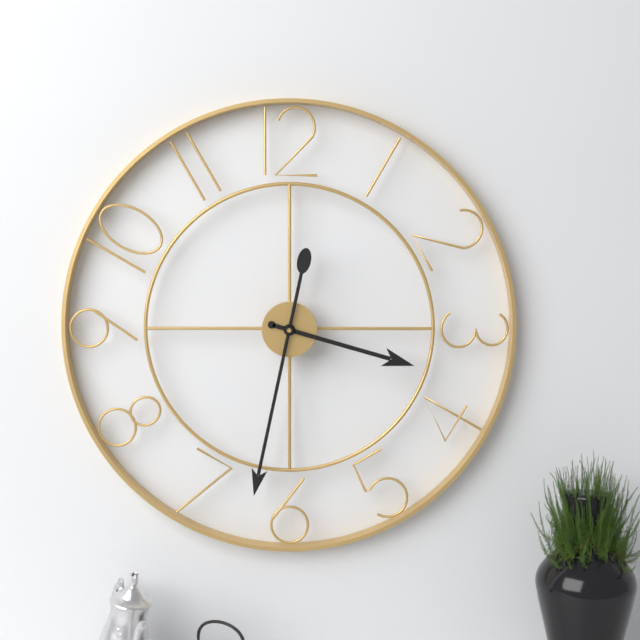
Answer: 3,32
